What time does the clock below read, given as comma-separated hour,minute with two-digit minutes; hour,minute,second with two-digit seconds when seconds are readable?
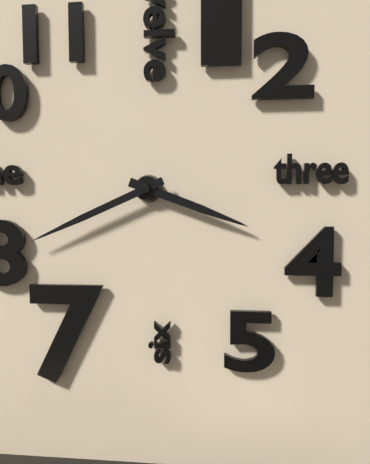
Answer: 3,41
